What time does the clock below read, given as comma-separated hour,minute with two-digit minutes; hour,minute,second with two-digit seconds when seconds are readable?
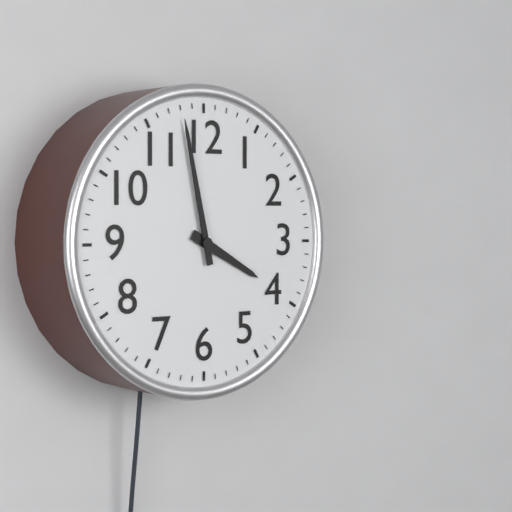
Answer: 3,58
